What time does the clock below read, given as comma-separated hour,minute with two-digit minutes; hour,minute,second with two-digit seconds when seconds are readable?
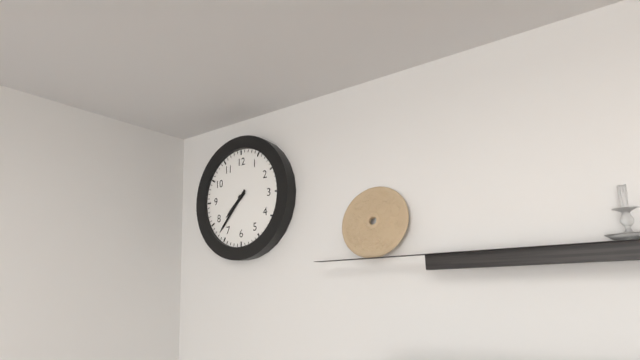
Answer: 7,37
